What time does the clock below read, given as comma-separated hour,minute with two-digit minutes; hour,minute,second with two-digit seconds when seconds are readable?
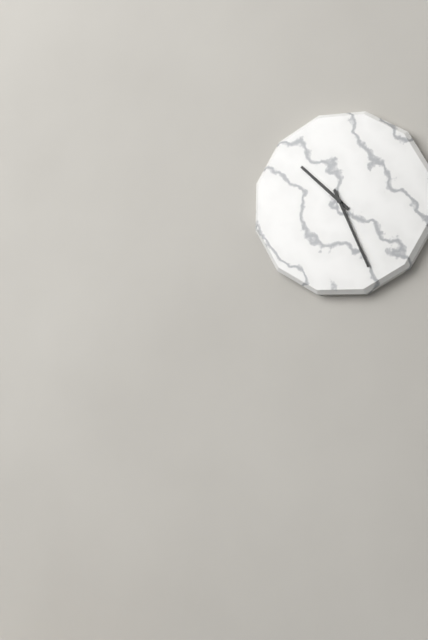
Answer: 10,26
